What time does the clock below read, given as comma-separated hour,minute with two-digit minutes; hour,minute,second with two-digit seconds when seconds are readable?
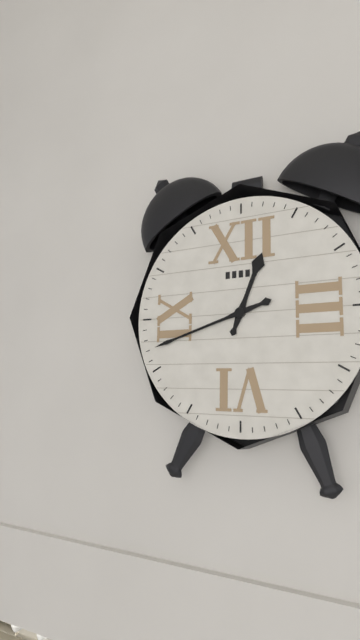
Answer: 12,42
